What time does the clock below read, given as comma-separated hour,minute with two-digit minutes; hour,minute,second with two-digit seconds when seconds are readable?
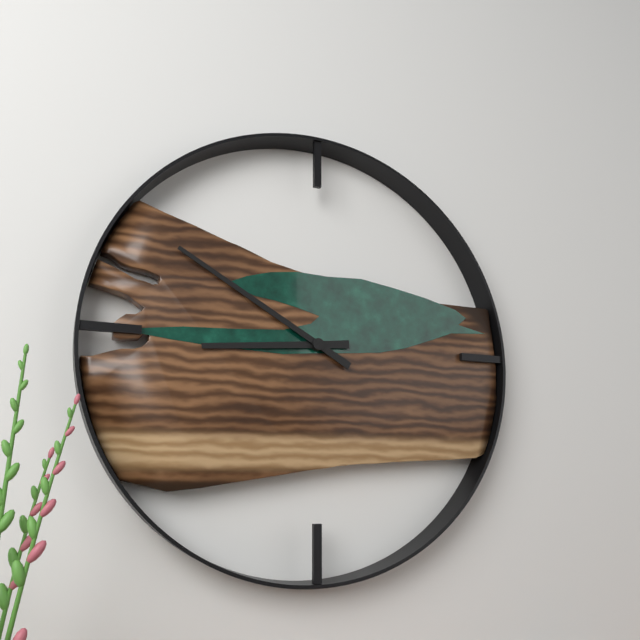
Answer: 8,50
